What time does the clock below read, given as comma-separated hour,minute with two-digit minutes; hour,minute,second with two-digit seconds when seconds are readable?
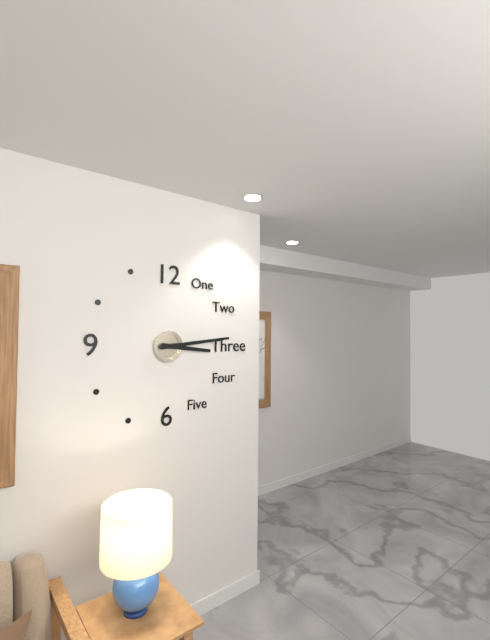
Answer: 3,14
